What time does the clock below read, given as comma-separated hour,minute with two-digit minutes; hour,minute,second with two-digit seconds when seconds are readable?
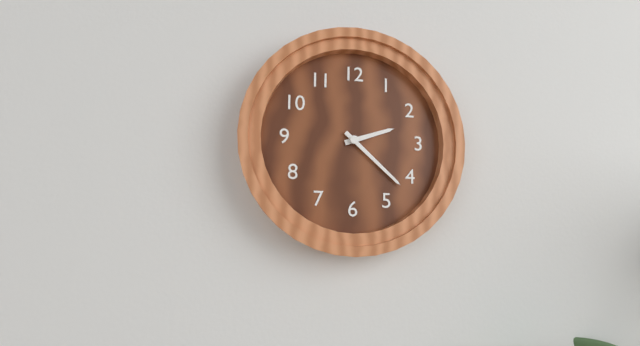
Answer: 2,22
